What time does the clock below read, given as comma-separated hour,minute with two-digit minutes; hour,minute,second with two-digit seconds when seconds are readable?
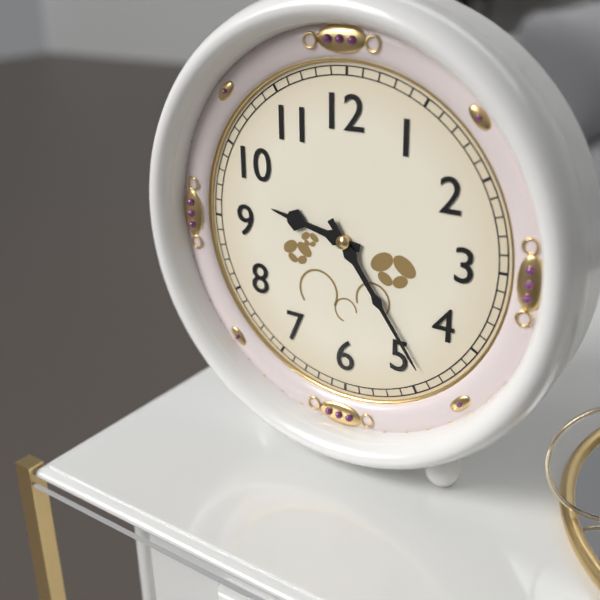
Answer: 9,24
